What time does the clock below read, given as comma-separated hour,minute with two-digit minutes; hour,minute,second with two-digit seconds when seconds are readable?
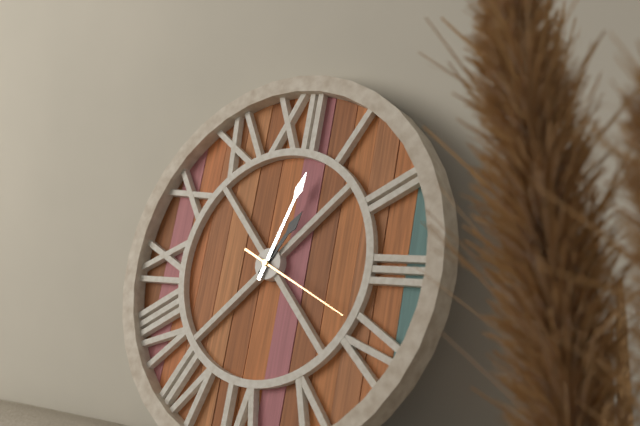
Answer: 1,03,19
